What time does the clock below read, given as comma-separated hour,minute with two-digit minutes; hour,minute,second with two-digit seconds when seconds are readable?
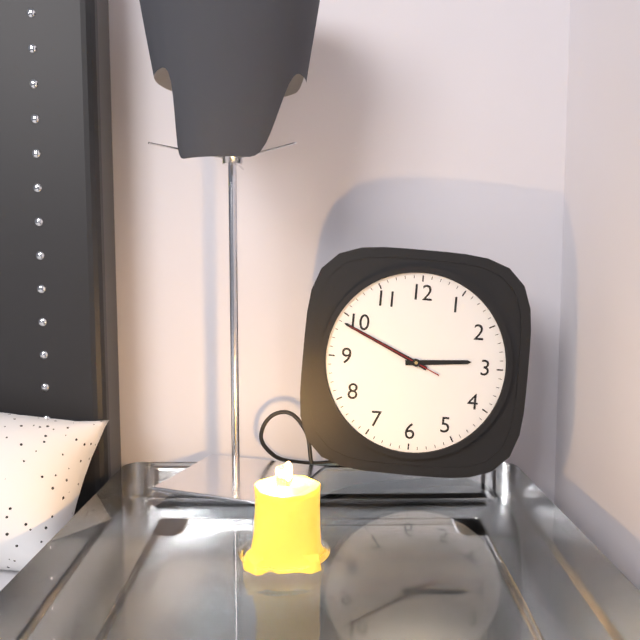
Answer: 2,49,49
